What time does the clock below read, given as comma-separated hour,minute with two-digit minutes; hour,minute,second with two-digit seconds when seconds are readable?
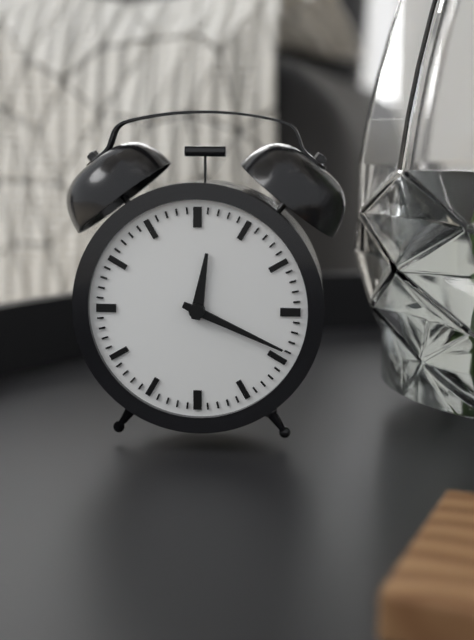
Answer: 12,19
